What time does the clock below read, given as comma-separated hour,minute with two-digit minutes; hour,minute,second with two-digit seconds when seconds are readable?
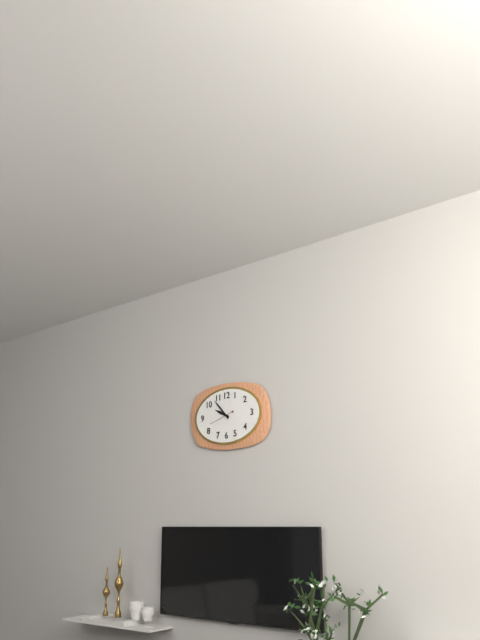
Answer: 9,53
